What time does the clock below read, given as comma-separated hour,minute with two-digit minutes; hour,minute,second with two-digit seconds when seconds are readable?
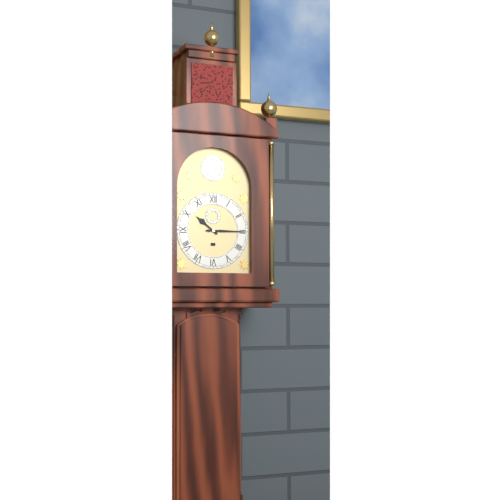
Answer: 10,15
